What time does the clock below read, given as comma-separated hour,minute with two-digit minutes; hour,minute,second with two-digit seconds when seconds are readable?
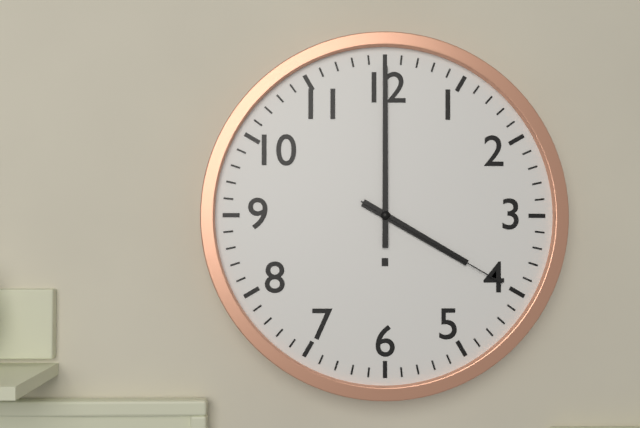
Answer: 4,00,20
